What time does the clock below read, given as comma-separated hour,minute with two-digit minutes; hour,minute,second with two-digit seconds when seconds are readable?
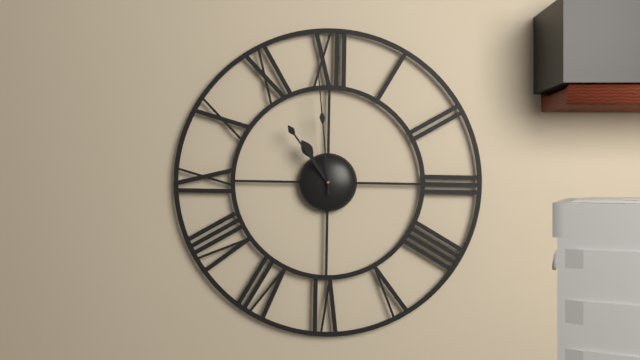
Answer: 10,54,59
